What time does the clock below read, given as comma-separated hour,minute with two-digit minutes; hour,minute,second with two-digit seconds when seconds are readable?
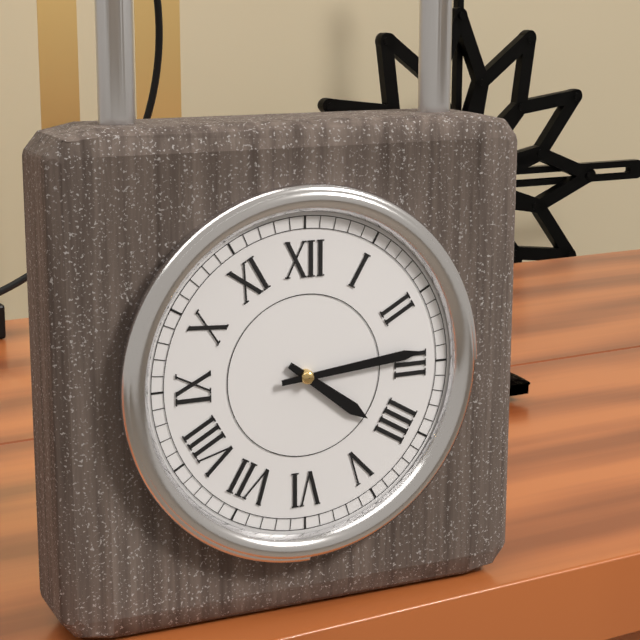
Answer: 4,14
